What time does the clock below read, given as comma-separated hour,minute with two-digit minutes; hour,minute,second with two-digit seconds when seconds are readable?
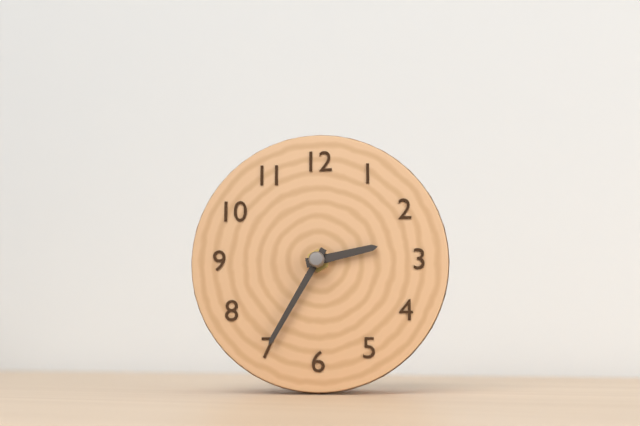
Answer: 2,35
